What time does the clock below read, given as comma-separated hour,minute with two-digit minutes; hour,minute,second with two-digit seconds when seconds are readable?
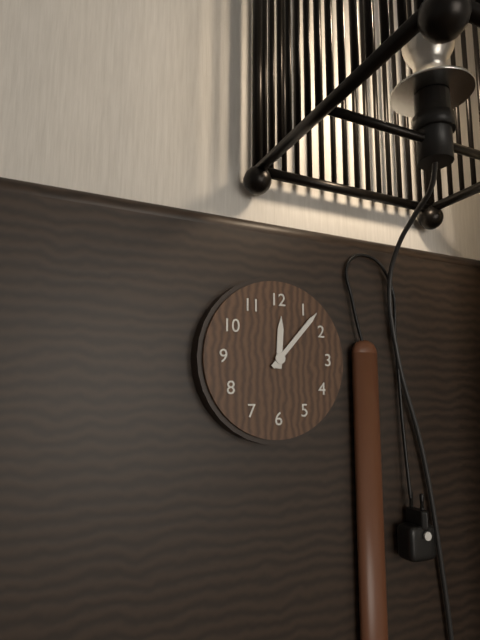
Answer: 12,07
